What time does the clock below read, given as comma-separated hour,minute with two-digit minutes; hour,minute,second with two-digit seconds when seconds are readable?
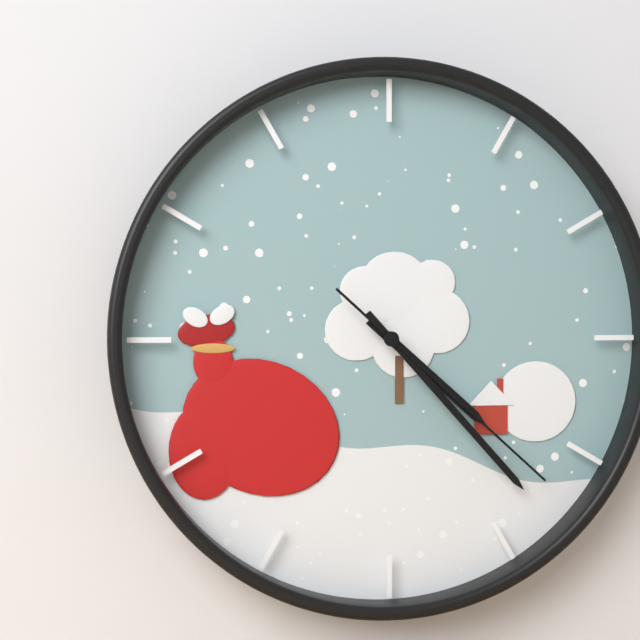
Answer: 4,23,22
